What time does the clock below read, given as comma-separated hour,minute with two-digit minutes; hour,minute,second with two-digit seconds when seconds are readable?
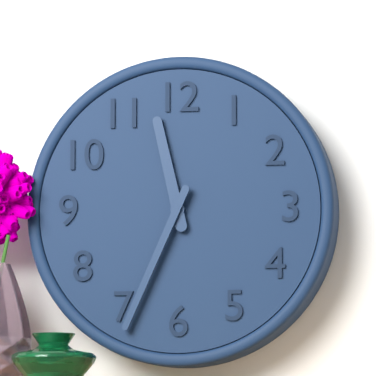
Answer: 11,34
